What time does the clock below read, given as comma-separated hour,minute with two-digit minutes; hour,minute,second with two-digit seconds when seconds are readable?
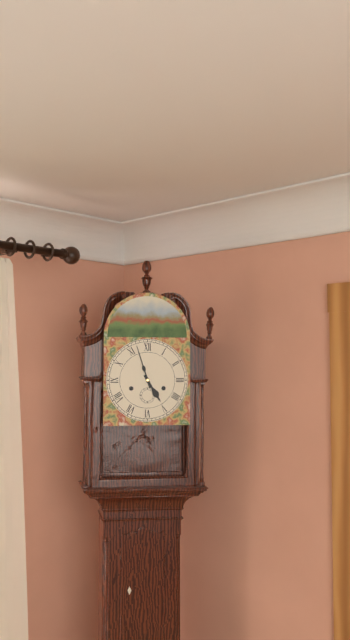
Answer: 4,57
